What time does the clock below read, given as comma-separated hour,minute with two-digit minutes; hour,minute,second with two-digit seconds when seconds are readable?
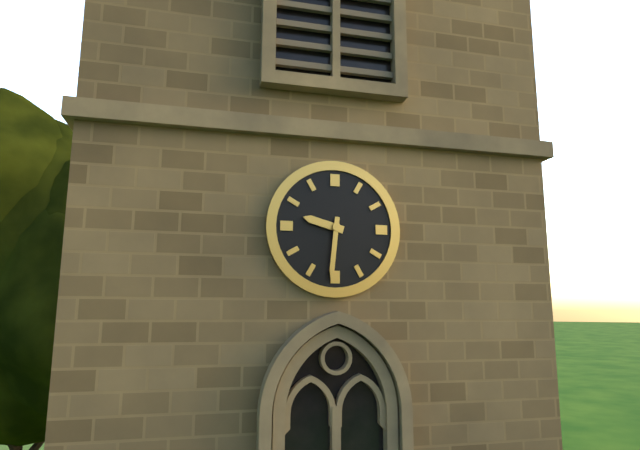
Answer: 9,31
